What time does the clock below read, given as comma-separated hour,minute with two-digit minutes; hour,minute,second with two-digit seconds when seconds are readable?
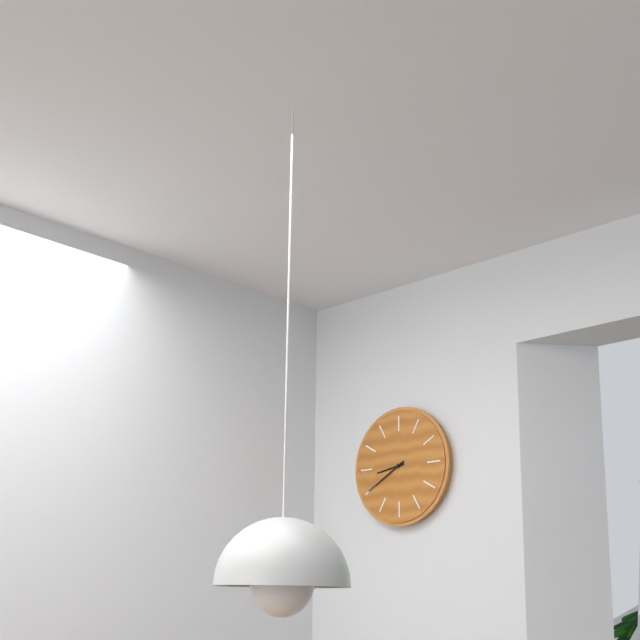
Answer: 8,40
